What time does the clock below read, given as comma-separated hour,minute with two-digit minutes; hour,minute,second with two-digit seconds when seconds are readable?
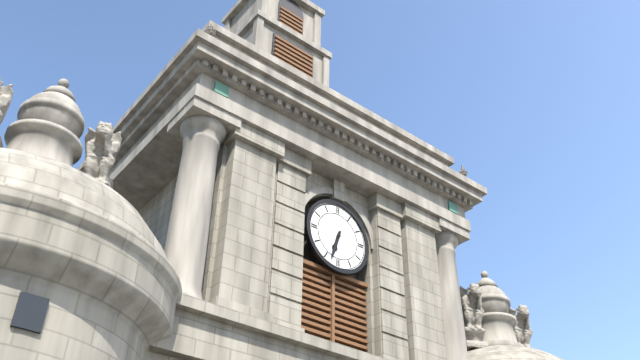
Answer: 6,33
